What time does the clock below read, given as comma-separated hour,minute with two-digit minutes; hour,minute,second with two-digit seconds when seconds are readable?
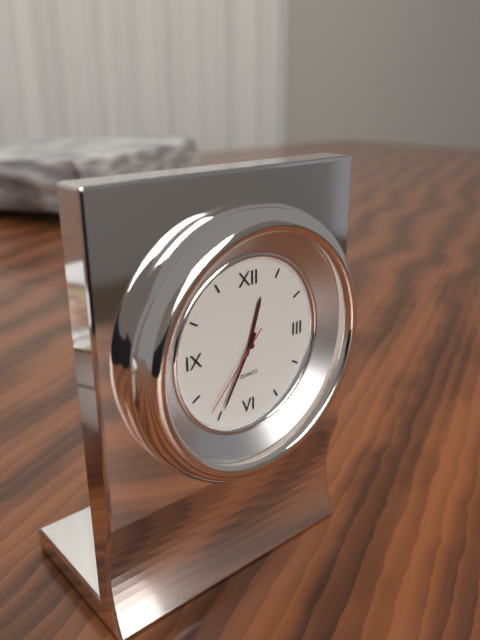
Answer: 12,35,37
